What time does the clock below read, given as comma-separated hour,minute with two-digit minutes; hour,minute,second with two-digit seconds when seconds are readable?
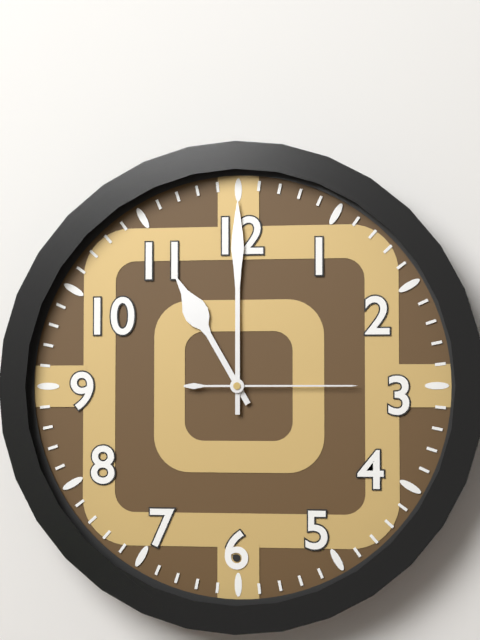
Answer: 11,00,15
